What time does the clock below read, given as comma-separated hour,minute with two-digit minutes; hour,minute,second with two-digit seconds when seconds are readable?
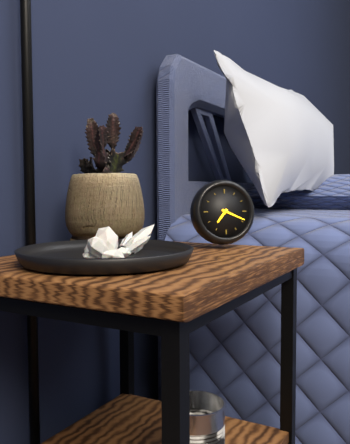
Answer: 7,19
